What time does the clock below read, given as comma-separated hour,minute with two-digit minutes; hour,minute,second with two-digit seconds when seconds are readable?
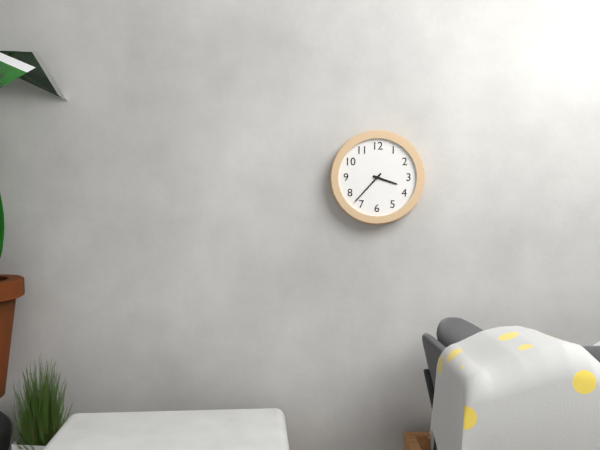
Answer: 3,37
